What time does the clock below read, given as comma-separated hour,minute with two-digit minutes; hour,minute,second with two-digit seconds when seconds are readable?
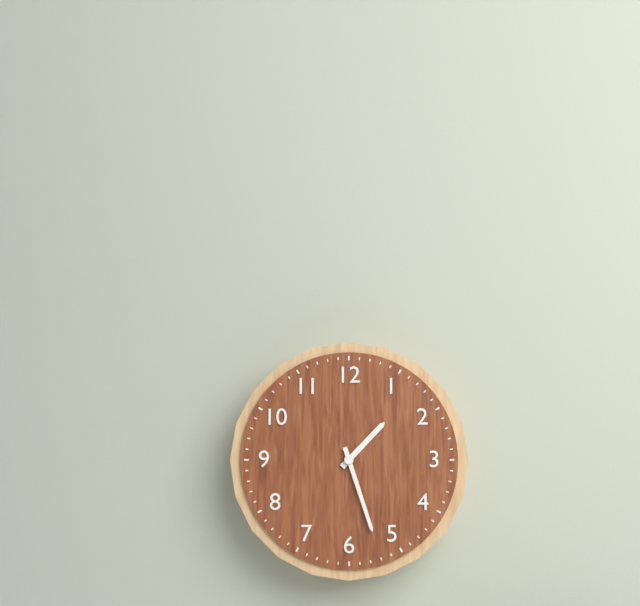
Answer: 1,27
